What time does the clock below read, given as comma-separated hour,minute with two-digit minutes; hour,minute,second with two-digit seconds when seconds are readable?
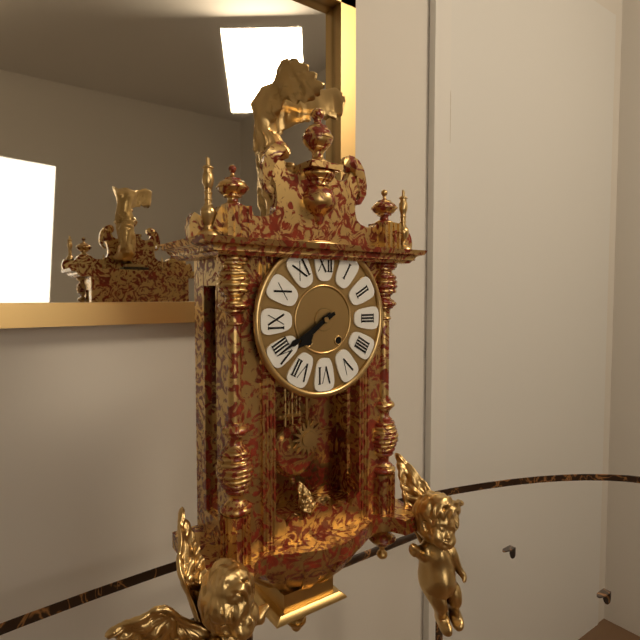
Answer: 7,40
